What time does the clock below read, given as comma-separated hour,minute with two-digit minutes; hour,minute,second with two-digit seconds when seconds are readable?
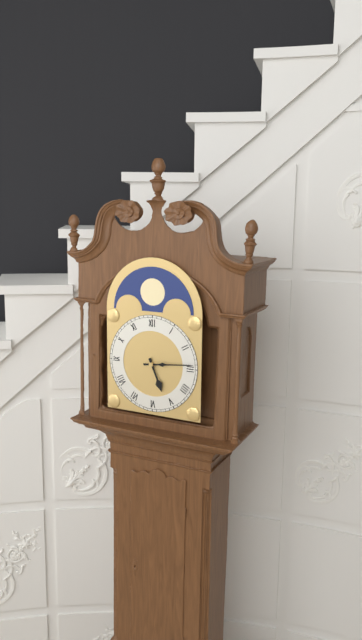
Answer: 5,14
